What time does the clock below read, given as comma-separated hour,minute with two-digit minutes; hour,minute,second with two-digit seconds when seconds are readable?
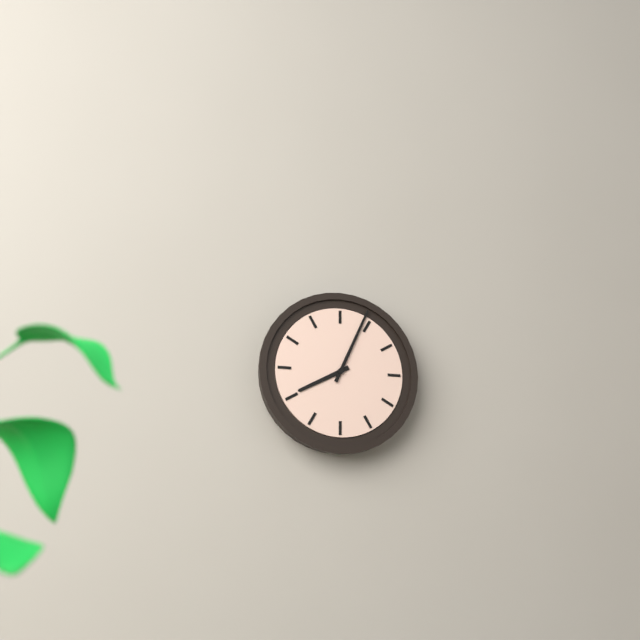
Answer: 8,04
